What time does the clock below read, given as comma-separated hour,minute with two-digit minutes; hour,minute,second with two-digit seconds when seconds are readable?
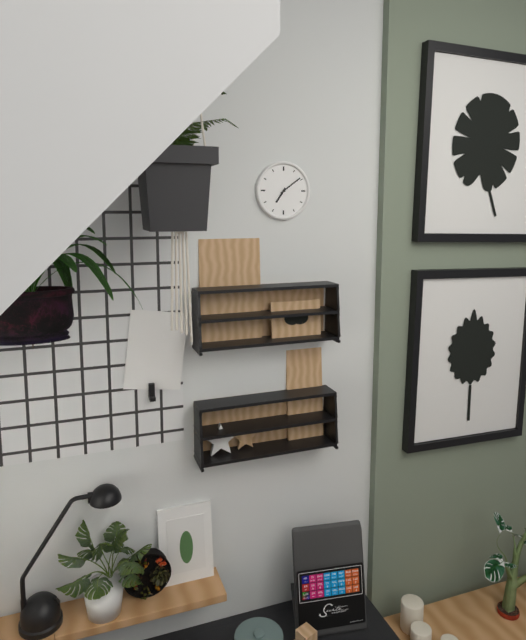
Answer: 7,09
